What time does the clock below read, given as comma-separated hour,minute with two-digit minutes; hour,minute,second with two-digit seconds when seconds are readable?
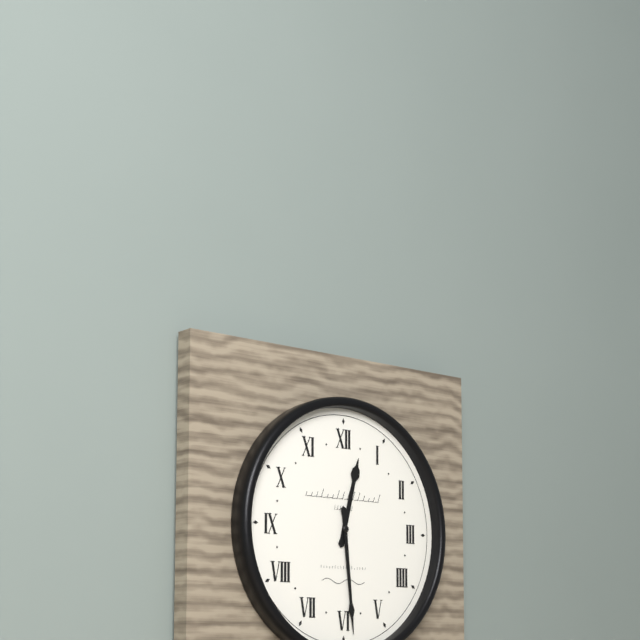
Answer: 12,29
